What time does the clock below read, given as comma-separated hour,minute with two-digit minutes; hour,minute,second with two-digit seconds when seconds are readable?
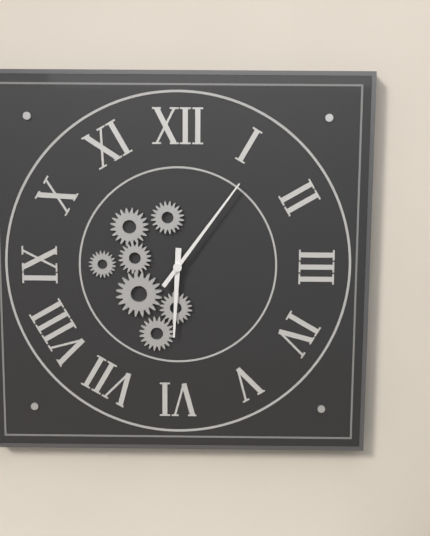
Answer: 6,06
